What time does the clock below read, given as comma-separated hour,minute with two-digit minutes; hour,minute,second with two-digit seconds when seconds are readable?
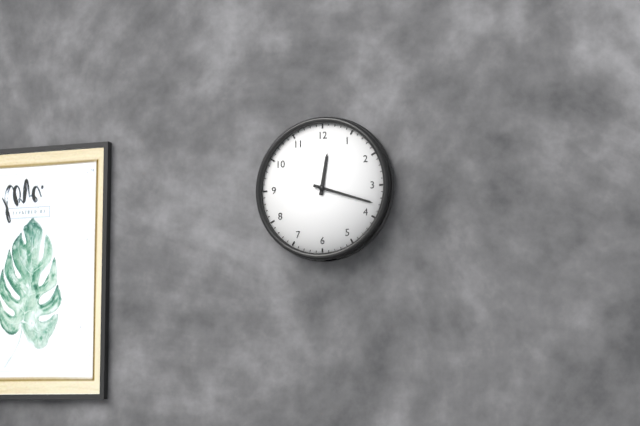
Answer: 12,18
